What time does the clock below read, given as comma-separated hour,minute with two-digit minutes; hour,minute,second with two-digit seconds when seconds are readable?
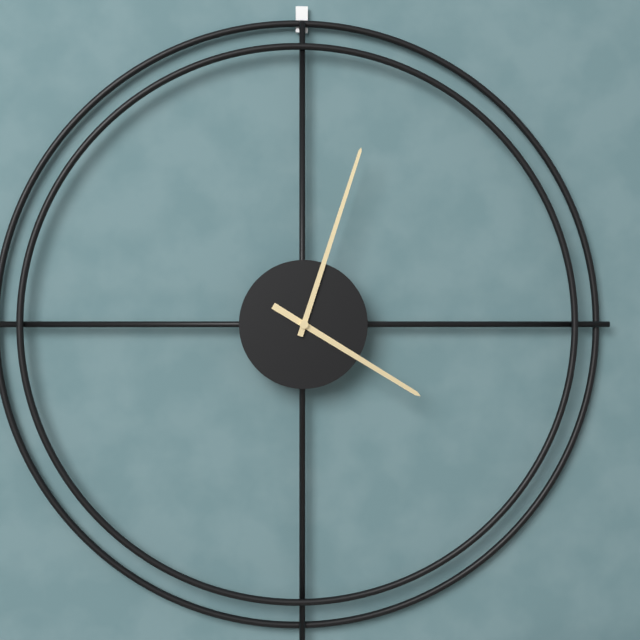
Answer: 4,03
